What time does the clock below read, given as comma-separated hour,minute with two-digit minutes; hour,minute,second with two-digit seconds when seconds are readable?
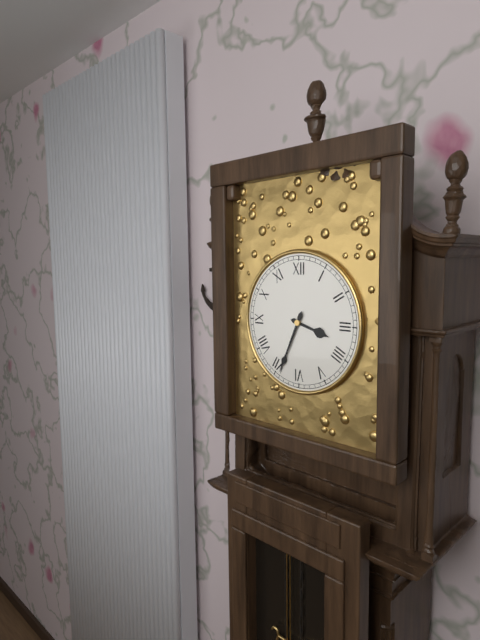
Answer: 3,34
